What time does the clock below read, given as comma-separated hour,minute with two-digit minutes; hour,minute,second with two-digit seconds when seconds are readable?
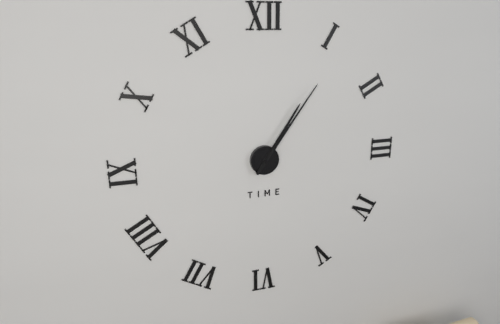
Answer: 1,06
